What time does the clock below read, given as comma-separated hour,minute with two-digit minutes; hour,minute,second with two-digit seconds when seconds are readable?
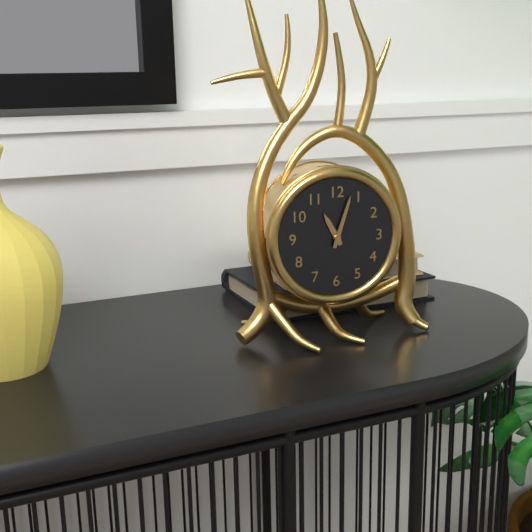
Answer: 11,03
